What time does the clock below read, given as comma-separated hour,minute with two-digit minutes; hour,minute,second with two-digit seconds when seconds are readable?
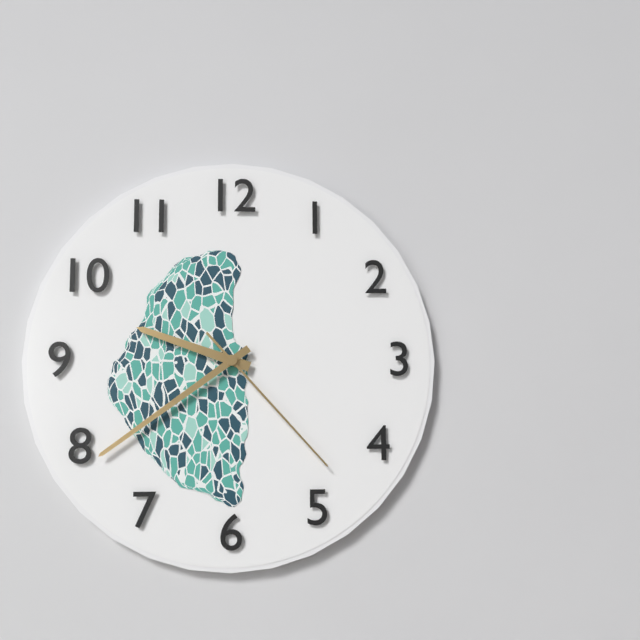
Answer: 9,39,23
